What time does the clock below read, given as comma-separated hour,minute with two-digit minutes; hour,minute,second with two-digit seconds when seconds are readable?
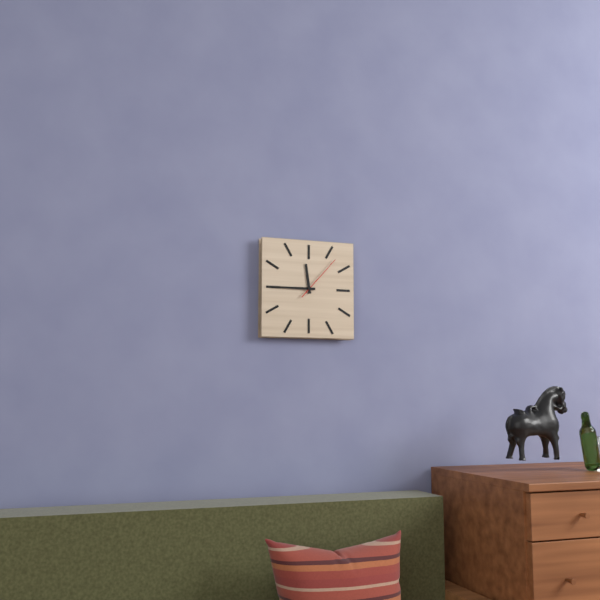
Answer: 11,45
